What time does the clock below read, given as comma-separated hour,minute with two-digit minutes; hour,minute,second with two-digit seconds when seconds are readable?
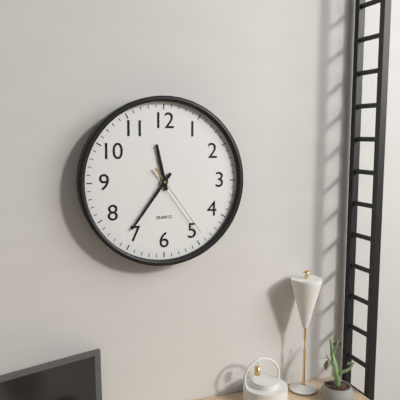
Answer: 11,36,24
